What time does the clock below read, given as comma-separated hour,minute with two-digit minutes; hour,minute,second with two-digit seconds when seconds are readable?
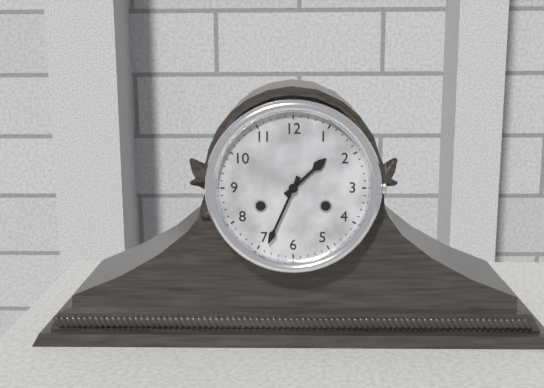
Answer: 1,34
